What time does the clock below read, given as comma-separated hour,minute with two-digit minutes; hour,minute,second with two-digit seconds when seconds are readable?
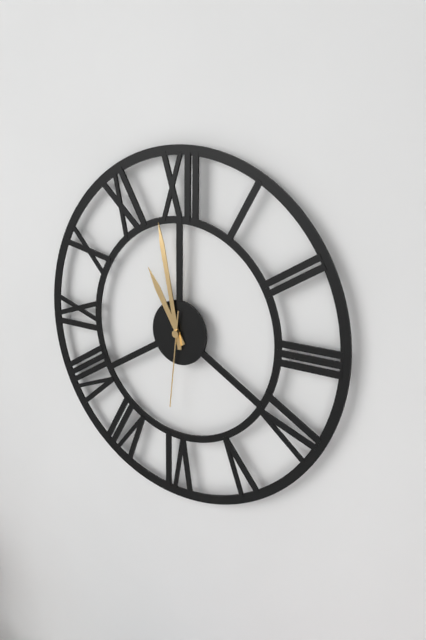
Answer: 10,58,31
